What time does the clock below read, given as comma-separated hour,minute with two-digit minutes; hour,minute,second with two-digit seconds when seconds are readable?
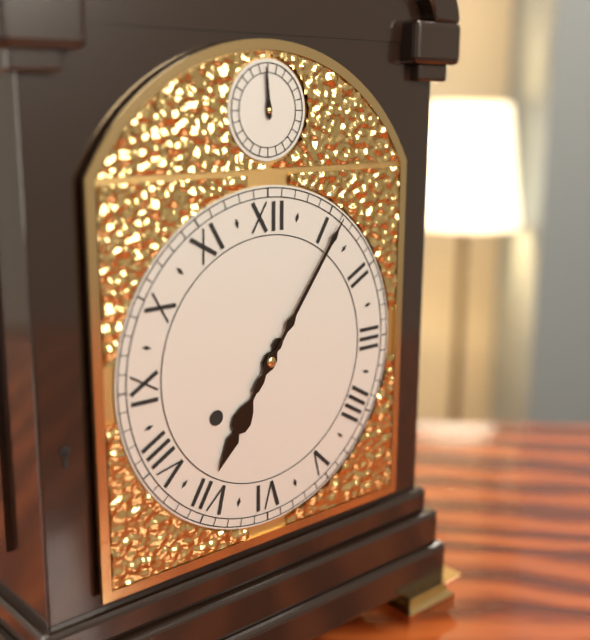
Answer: 7,06
